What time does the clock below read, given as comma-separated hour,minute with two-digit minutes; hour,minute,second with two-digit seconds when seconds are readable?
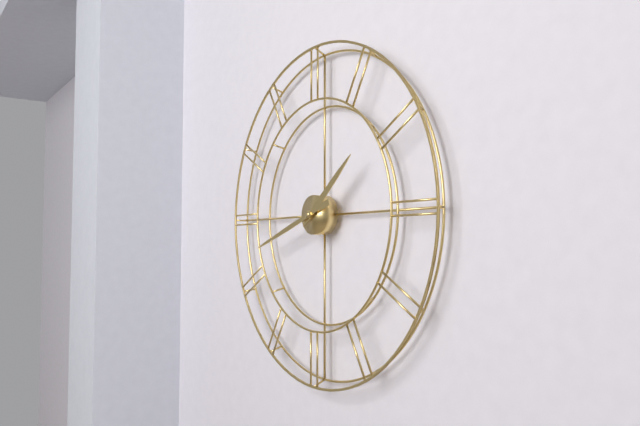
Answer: 1,42
